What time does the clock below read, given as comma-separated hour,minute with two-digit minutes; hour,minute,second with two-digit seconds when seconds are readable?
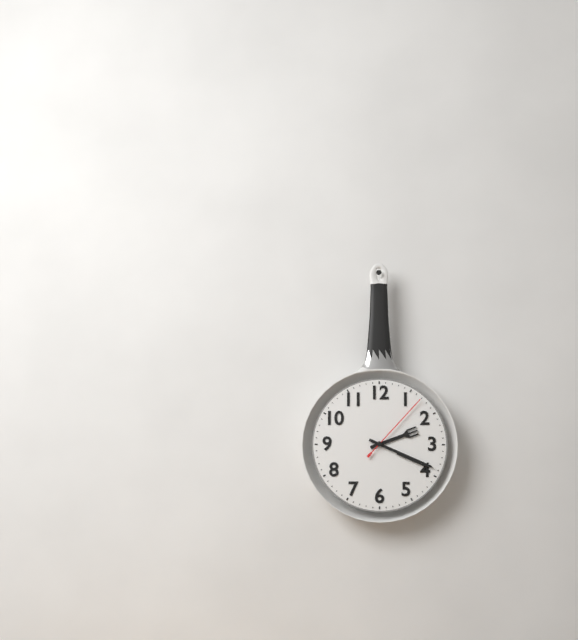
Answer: 2,19,07
